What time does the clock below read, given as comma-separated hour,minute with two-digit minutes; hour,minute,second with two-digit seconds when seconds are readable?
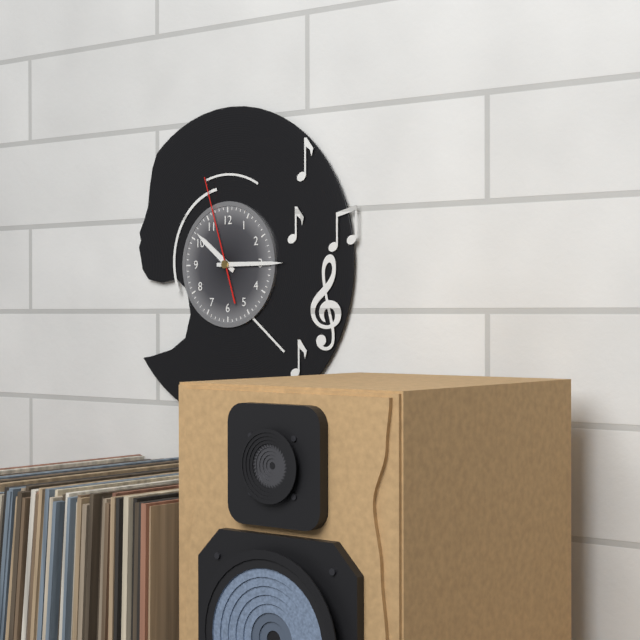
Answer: 10,15,57
